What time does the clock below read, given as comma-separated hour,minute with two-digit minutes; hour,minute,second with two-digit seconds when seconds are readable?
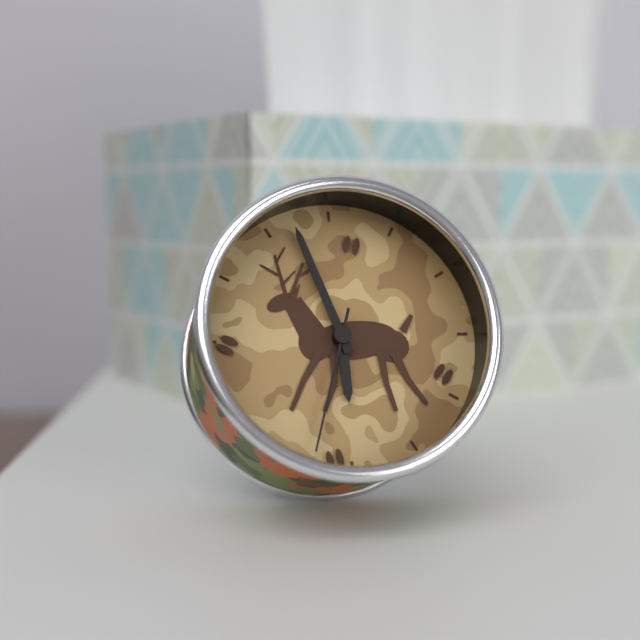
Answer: 5,57,33
